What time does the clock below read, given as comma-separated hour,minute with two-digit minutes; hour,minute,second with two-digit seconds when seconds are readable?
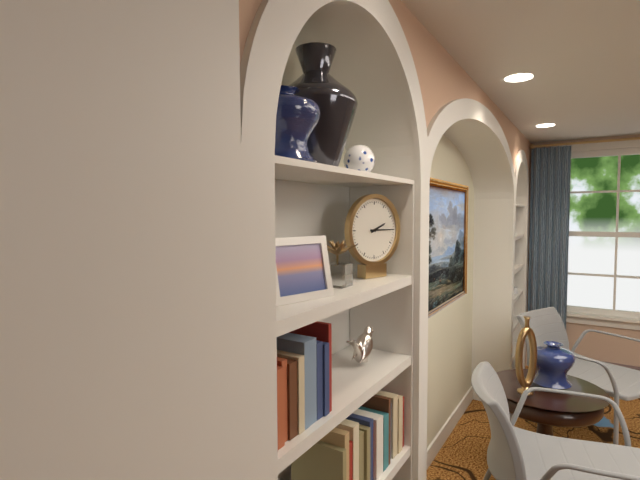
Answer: 2,15
